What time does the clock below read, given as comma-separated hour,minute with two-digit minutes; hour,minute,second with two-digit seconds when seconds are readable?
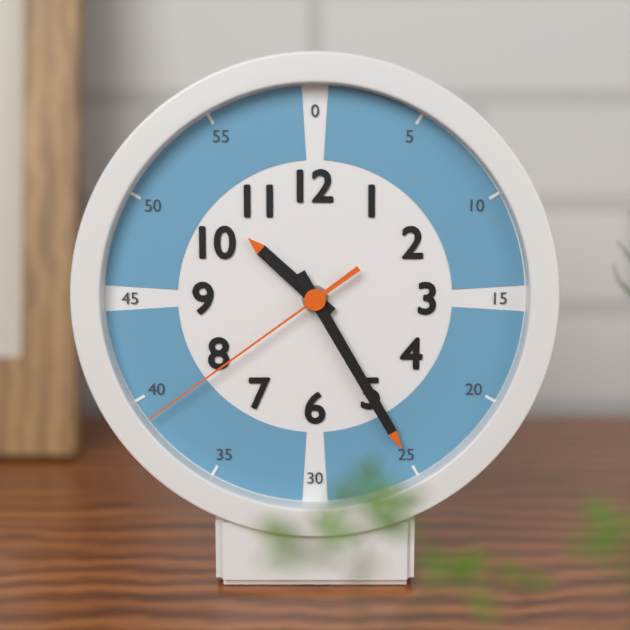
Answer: 10,25,39
